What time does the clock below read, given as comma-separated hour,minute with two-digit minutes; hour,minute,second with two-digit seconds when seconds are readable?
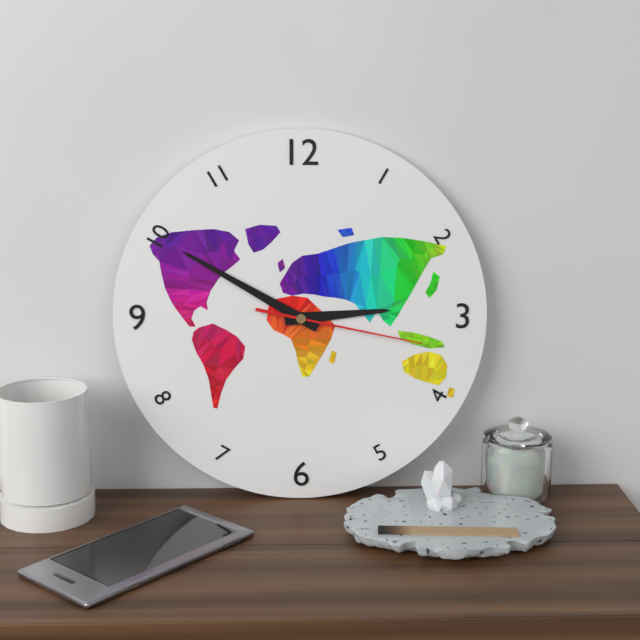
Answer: 2,50,17
